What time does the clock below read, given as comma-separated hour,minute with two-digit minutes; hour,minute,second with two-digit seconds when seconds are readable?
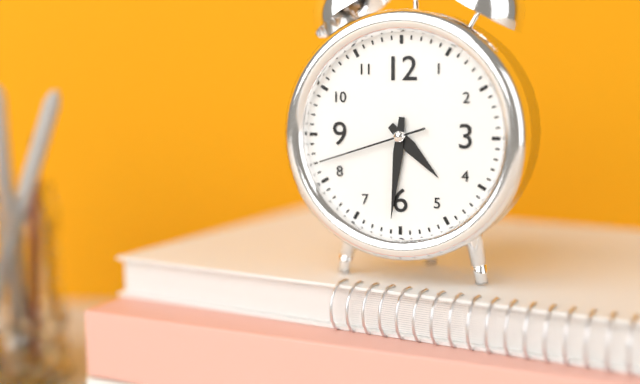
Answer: 4,31,42
